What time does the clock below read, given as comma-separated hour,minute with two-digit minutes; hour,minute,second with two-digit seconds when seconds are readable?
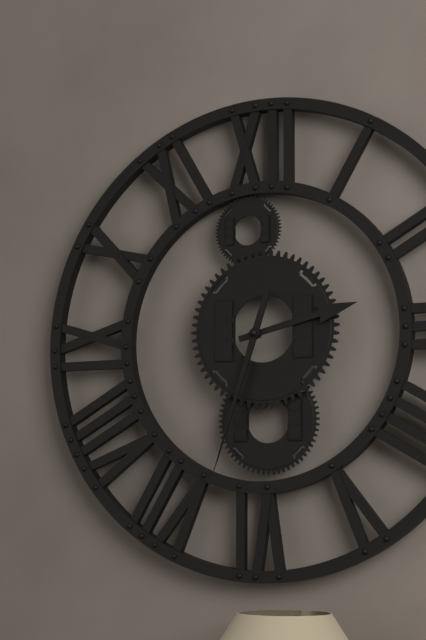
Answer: 2,33
